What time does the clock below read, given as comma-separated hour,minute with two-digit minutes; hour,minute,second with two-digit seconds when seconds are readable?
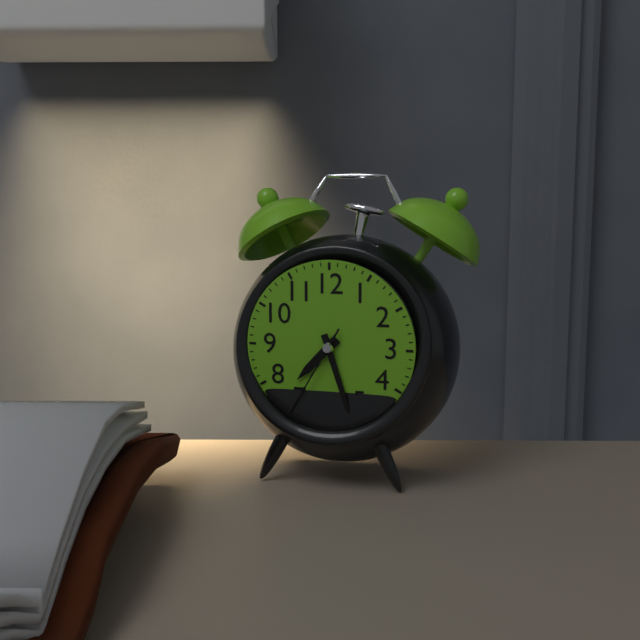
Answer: 7,27,35
